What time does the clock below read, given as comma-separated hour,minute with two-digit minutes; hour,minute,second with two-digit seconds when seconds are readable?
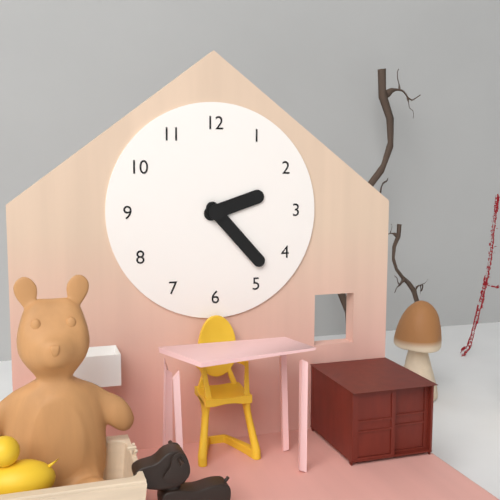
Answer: 2,23
